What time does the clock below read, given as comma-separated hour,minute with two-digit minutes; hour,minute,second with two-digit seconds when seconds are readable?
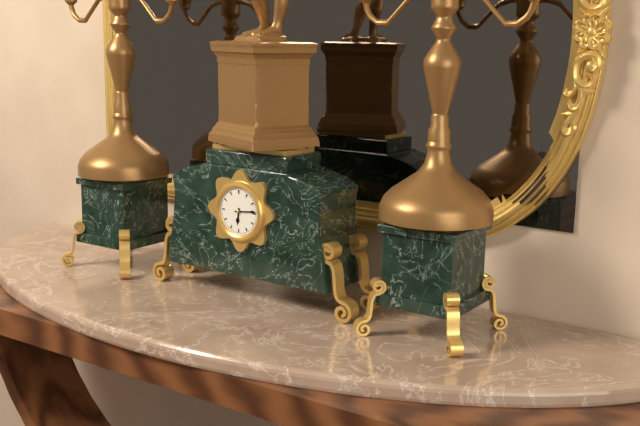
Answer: 6,14
